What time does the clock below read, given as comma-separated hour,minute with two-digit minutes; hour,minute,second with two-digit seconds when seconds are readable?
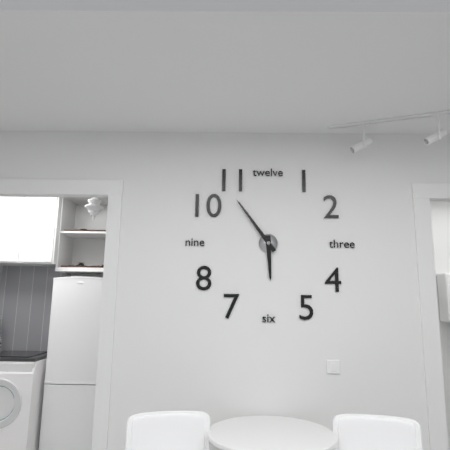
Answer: 5,54
